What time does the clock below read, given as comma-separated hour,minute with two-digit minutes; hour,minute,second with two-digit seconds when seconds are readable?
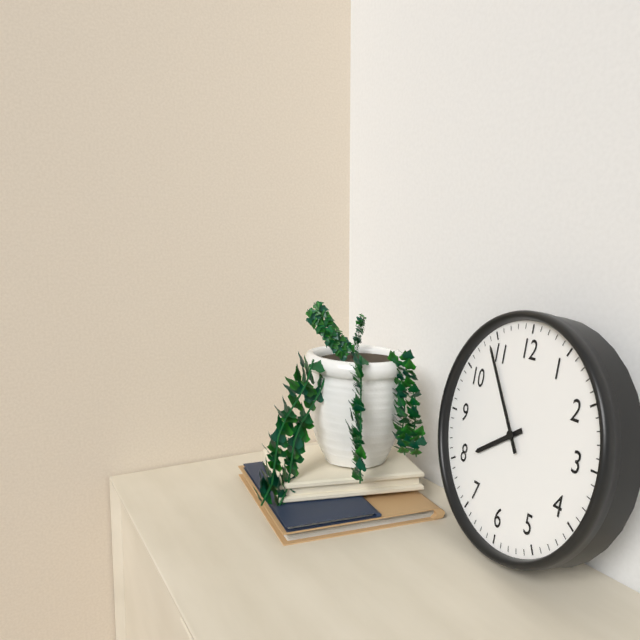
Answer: 7,54
